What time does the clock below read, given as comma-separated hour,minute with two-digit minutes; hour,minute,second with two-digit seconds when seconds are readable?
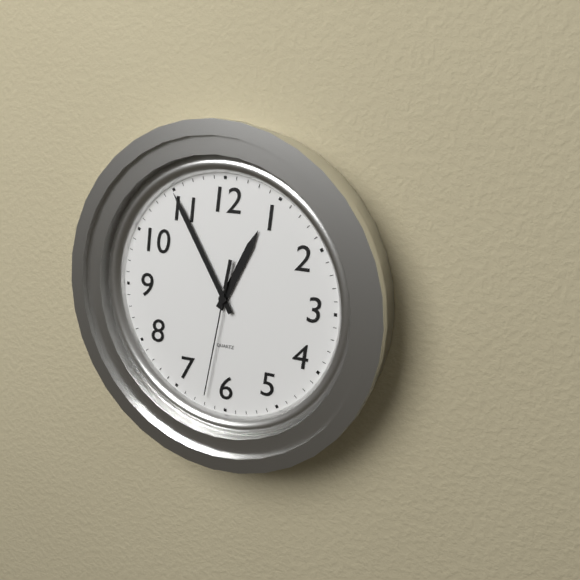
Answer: 12,55,32
